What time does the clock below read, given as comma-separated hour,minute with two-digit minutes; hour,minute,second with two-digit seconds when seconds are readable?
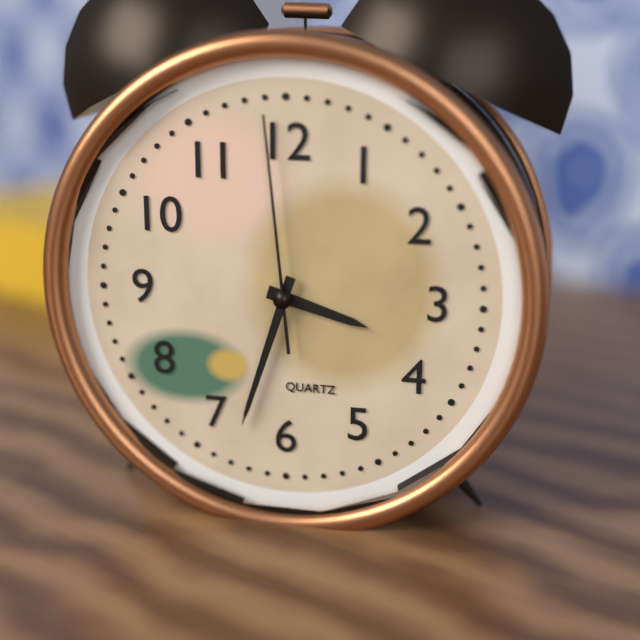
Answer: 3,33,59
